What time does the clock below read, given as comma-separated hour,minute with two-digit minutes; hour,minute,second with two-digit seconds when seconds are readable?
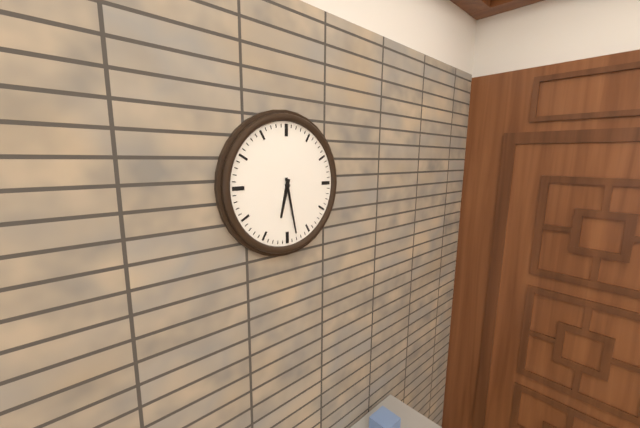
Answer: 6,28
